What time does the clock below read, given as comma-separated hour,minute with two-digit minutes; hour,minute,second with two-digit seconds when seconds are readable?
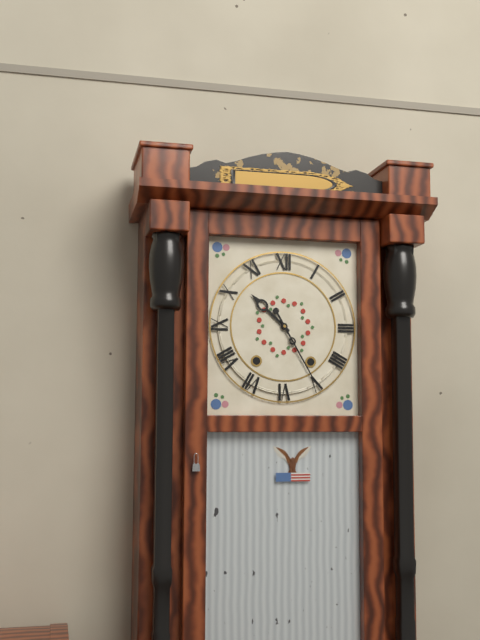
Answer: 10,25
